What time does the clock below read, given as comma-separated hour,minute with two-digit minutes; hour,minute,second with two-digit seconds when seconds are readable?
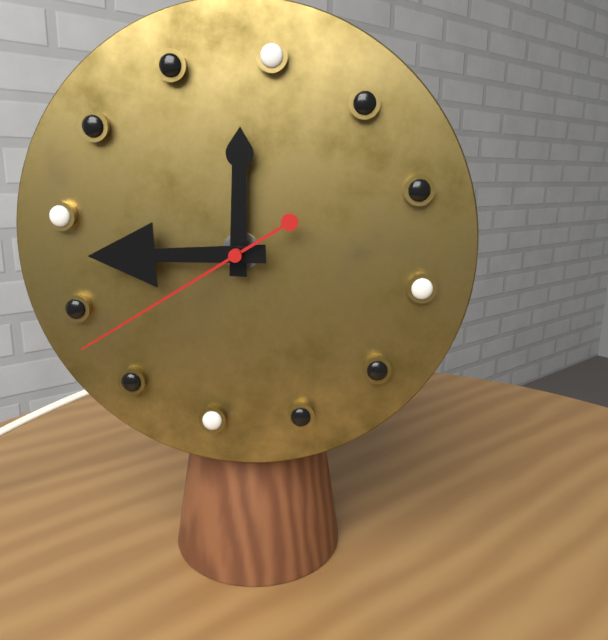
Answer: 11,43,38
